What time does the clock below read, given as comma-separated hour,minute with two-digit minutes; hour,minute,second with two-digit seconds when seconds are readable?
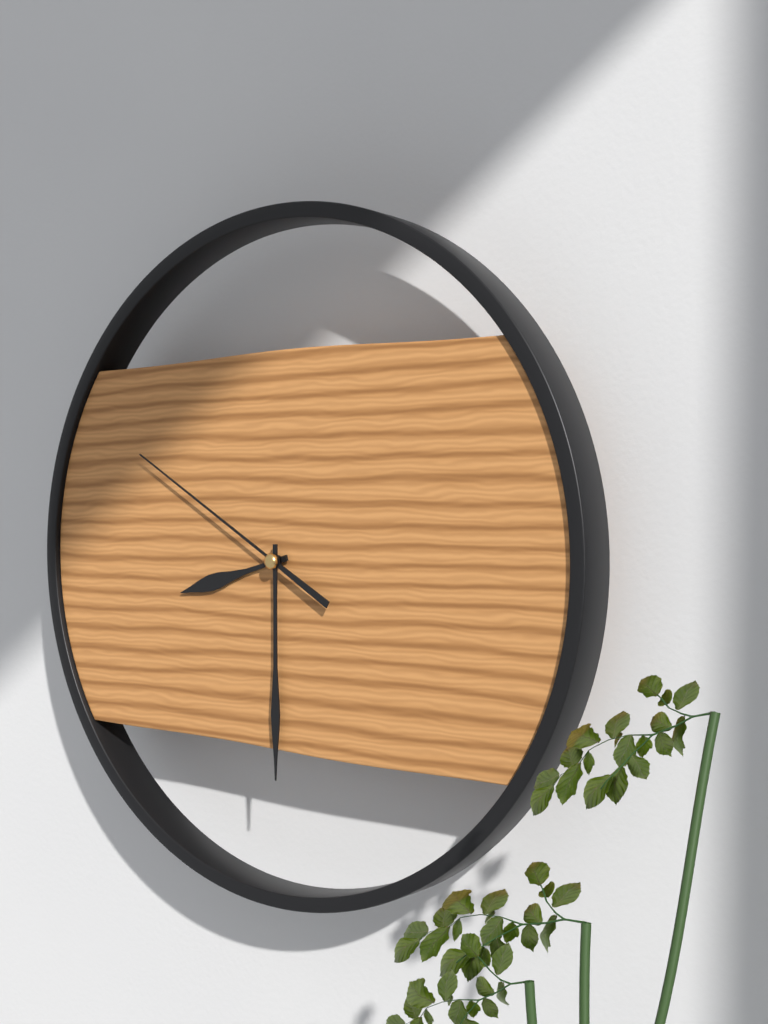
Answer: 8,30,50
